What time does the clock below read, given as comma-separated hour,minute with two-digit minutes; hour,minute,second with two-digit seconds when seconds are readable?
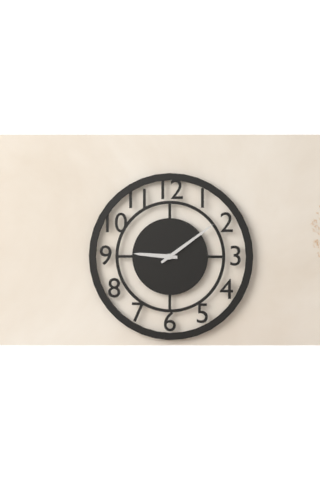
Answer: 9,09
